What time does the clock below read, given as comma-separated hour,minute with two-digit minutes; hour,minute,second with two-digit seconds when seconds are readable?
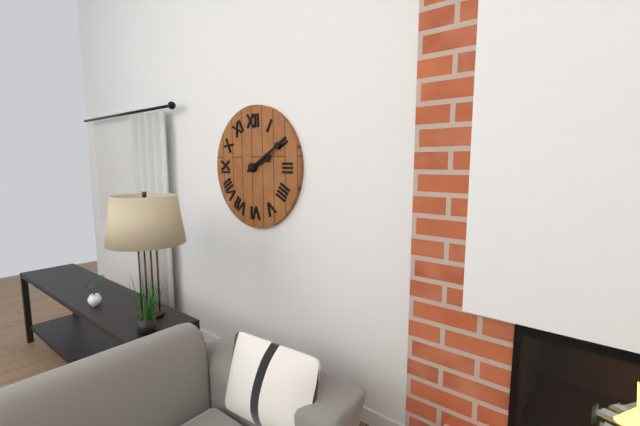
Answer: 2,10
